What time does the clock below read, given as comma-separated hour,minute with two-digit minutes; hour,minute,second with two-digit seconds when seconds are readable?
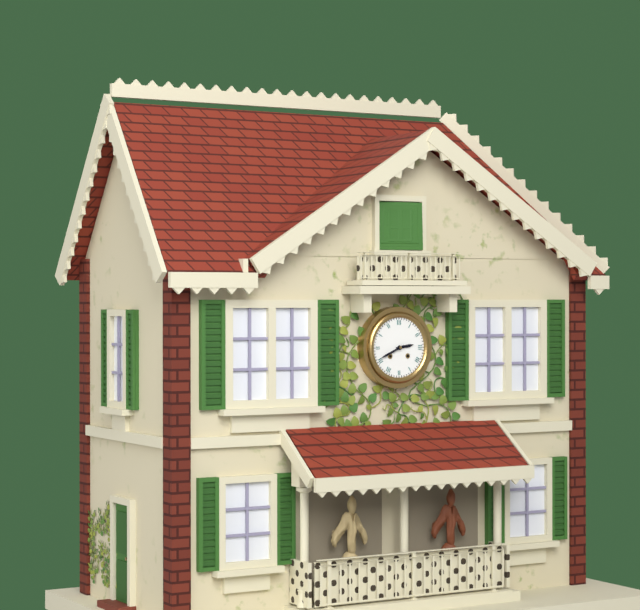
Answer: 2,41
